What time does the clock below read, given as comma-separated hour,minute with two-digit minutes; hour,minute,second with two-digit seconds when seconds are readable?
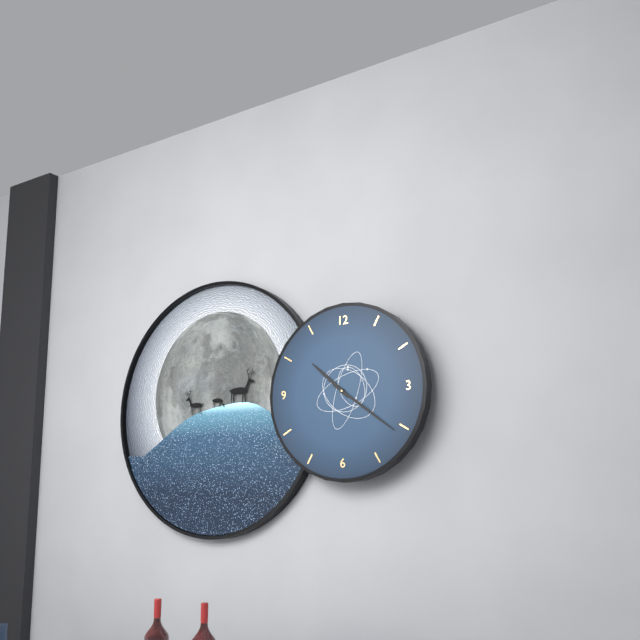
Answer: 10,21
